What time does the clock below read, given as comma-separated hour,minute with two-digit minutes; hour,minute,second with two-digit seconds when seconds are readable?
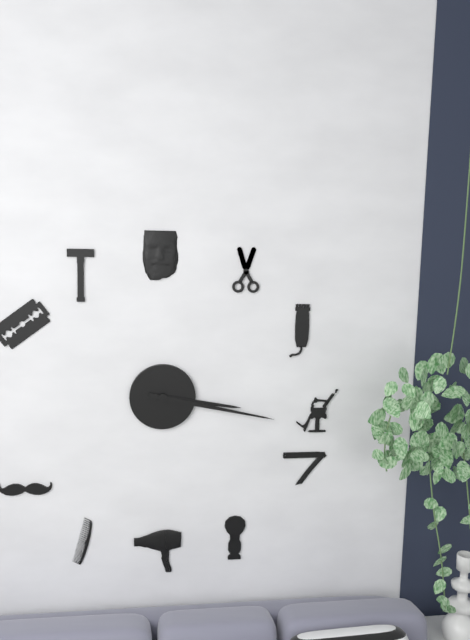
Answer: 3,17
